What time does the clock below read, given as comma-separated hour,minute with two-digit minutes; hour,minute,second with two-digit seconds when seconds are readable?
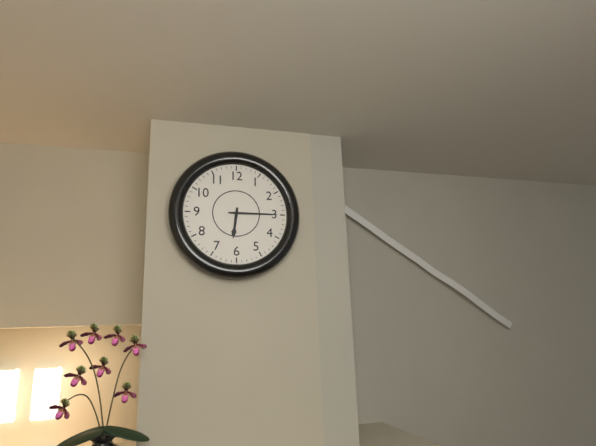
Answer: 6,15
